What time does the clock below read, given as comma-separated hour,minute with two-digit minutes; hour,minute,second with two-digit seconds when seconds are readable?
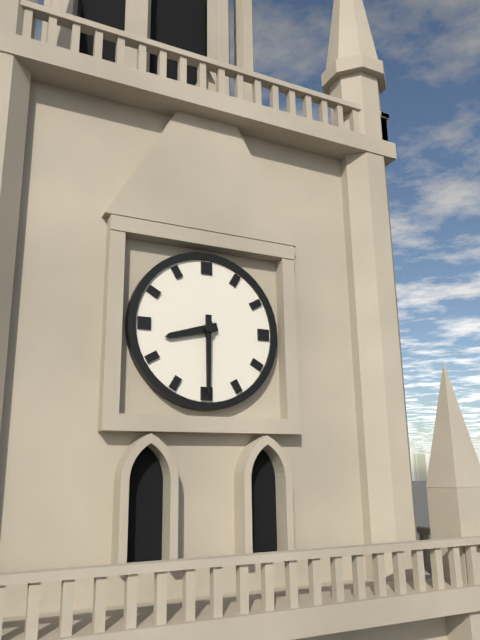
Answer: 8,30
